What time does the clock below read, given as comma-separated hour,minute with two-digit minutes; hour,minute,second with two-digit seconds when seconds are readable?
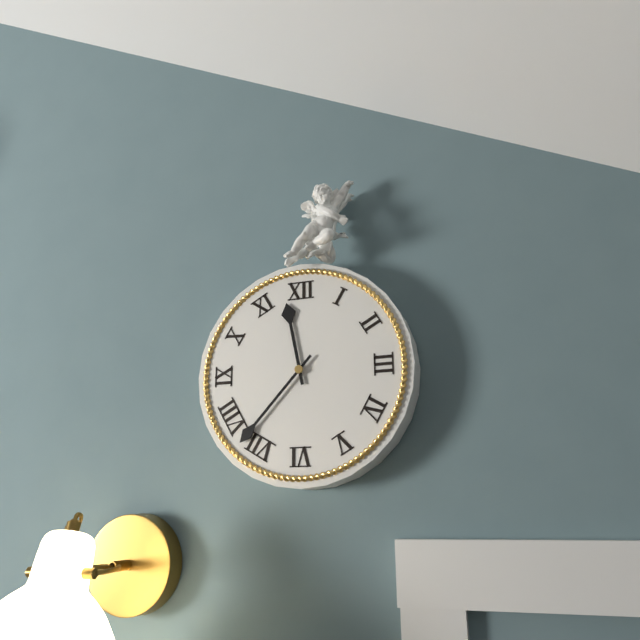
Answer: 11,37
